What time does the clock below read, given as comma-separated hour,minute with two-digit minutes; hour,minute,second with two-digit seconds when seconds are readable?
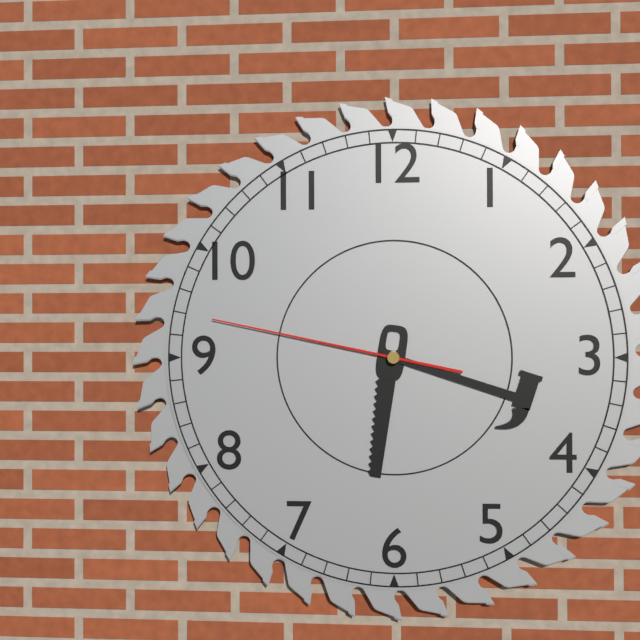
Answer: 6,18,47
